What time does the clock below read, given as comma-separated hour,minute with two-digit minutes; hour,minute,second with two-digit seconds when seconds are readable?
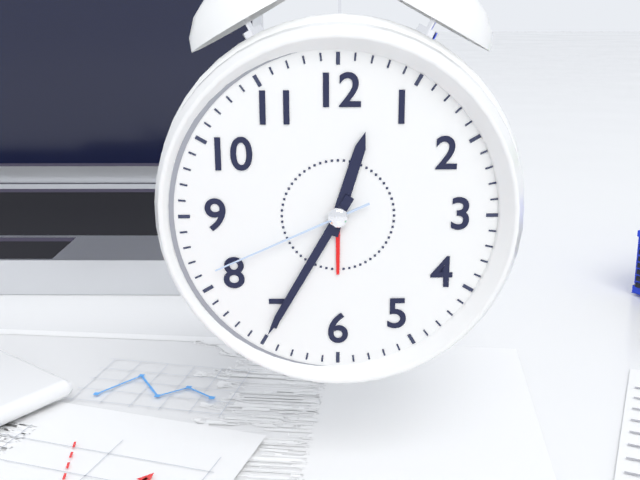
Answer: 12,35,41
